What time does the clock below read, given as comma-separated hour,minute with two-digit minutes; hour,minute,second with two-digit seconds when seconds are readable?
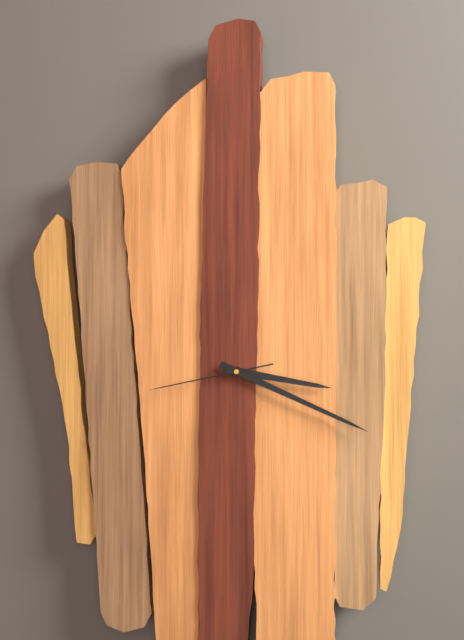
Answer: 3,19,43
